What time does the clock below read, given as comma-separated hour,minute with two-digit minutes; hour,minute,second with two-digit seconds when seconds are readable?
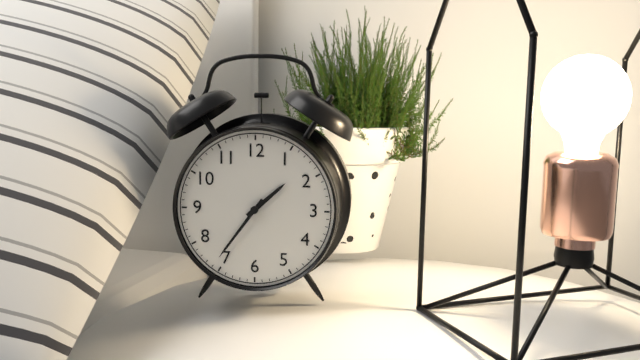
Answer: 1,36
